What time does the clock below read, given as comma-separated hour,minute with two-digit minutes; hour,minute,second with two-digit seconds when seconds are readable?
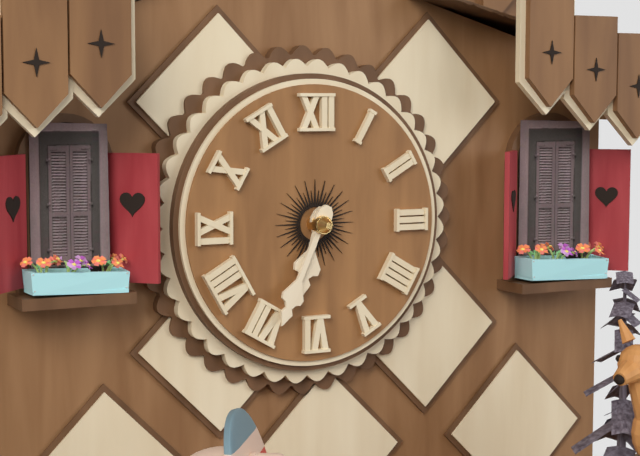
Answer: 6,34
